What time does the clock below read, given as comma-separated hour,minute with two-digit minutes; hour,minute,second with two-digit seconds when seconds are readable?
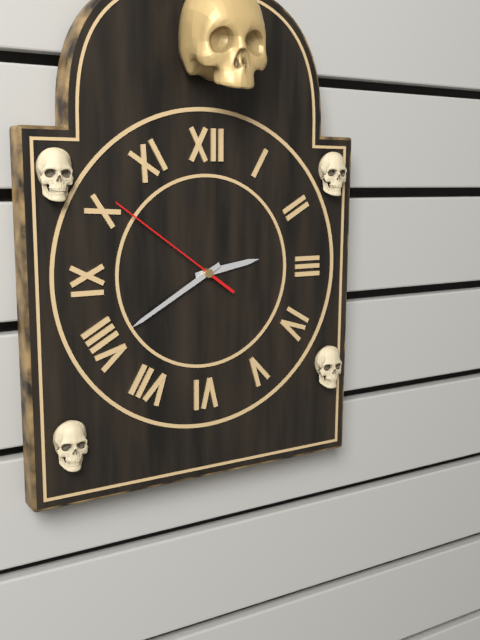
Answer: 2,40,51
